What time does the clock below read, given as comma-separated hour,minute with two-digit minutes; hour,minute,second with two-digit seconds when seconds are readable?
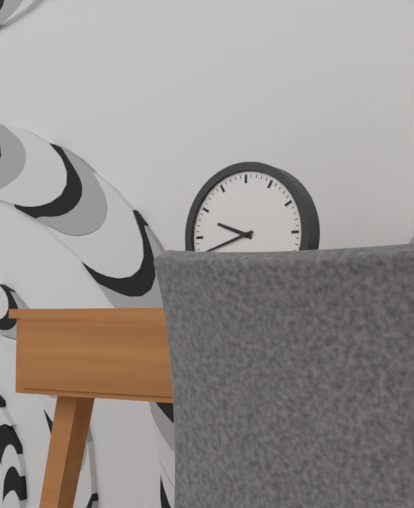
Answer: 9,42
